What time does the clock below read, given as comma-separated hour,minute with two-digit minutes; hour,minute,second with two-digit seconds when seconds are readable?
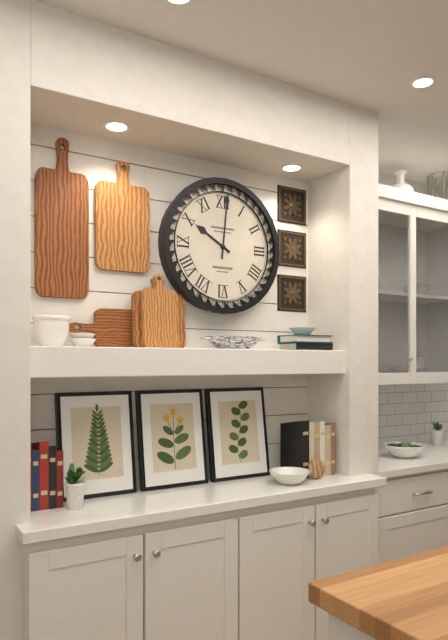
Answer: 10,01
